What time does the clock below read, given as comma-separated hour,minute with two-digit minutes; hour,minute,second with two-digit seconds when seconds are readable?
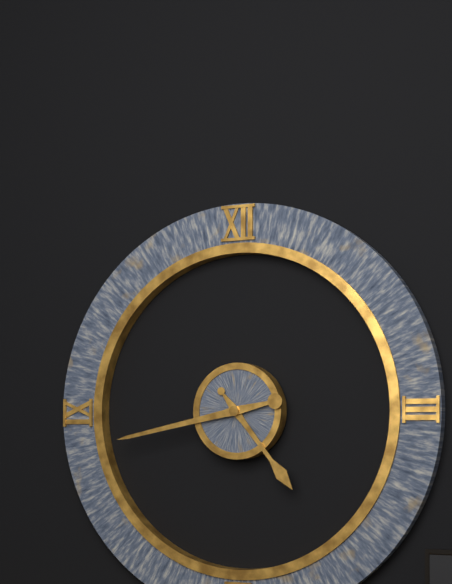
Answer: 4,43
